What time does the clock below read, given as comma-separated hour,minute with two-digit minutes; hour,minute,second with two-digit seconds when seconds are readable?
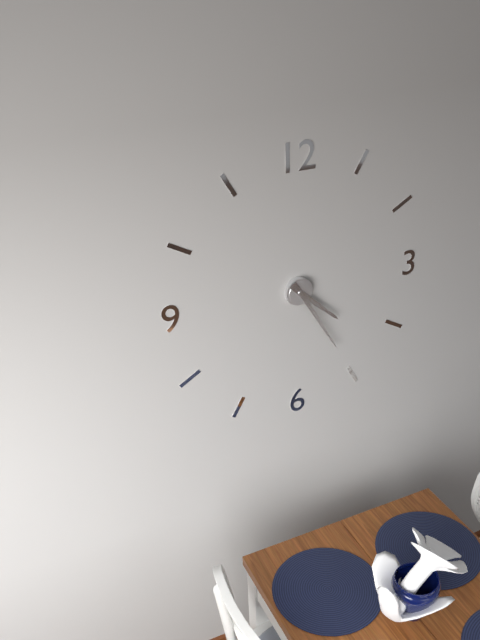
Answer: 4,25
